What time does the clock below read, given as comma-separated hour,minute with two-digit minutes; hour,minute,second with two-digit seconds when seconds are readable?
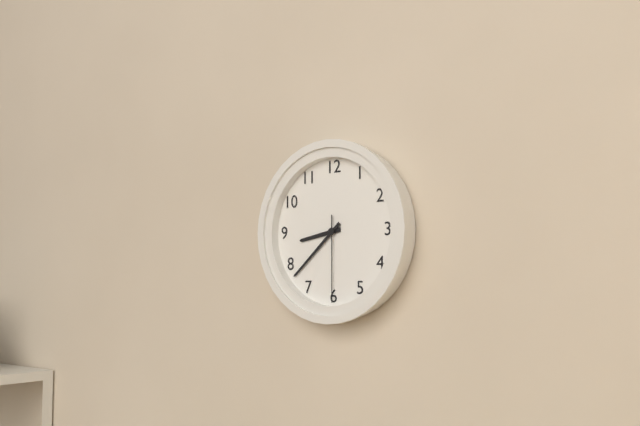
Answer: 8,38,30
